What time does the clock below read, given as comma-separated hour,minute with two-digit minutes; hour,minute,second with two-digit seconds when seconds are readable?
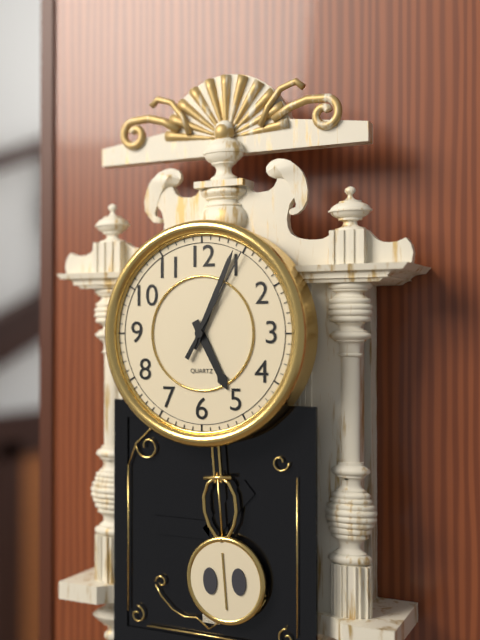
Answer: 5,04,05
